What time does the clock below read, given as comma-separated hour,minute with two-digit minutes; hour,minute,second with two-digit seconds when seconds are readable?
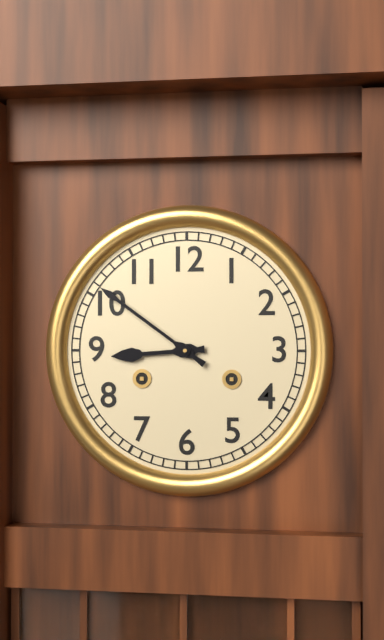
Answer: 8,51
